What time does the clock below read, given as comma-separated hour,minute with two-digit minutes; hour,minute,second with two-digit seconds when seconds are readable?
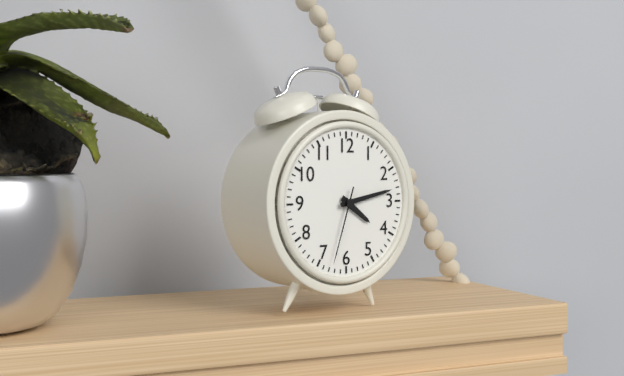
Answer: 4,13,33
